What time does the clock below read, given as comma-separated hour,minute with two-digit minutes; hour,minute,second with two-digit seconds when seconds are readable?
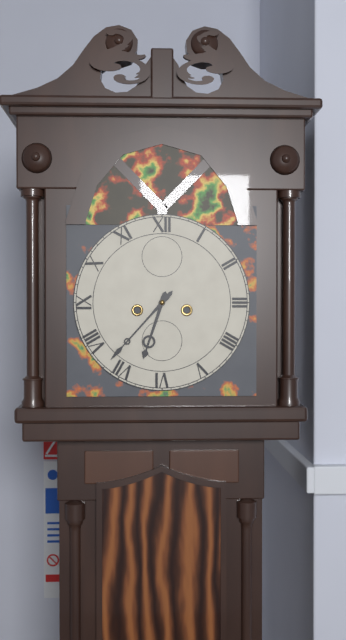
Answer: 6,37
